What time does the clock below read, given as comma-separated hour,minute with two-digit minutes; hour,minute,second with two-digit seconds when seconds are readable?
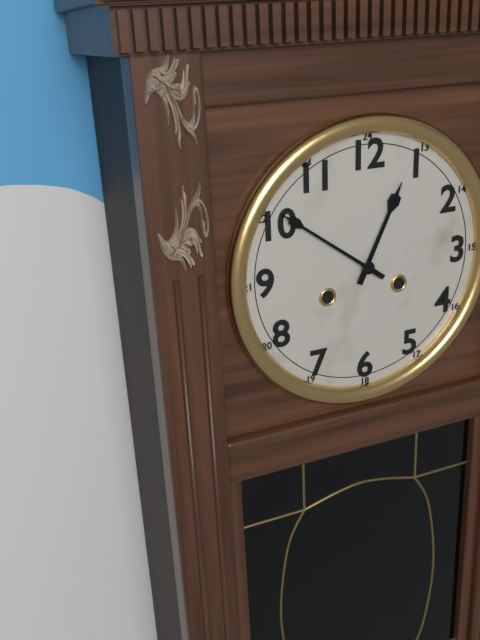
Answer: 12,51
